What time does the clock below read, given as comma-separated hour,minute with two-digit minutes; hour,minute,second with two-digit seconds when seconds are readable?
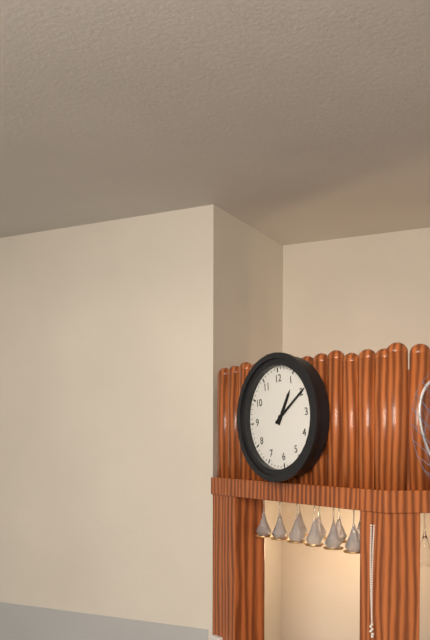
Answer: 1,10
